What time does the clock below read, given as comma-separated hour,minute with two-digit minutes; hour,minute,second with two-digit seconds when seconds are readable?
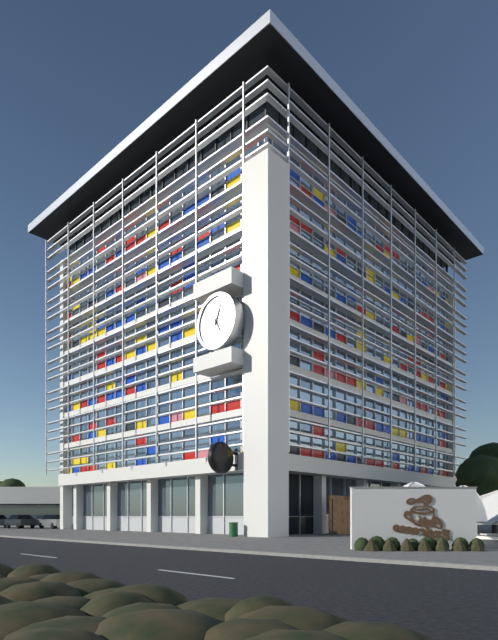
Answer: 5,04
